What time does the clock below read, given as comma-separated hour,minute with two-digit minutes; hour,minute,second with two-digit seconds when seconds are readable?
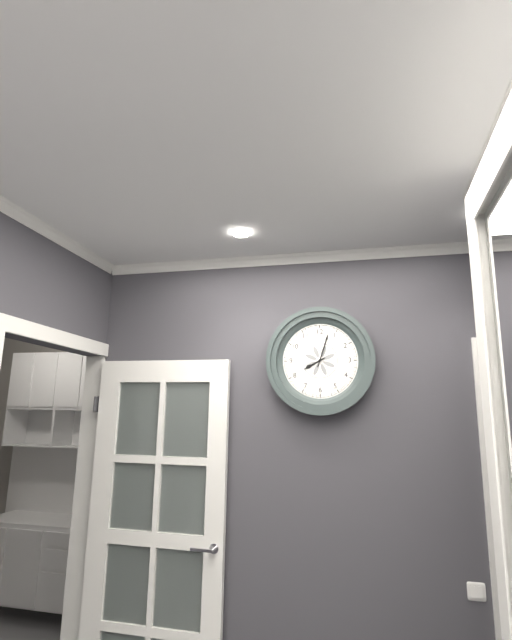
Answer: 8,03
